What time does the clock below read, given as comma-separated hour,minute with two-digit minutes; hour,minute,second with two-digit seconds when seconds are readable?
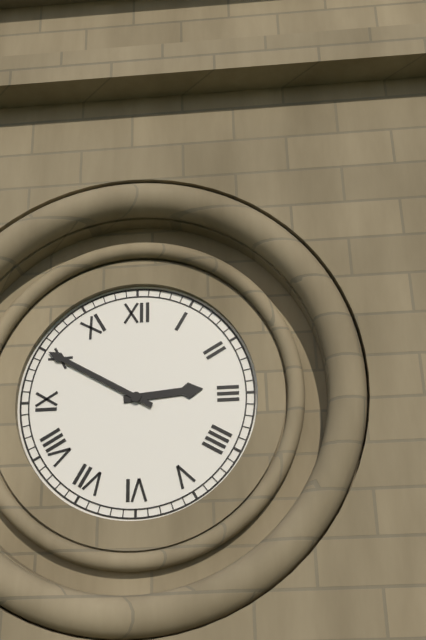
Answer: 2,50
